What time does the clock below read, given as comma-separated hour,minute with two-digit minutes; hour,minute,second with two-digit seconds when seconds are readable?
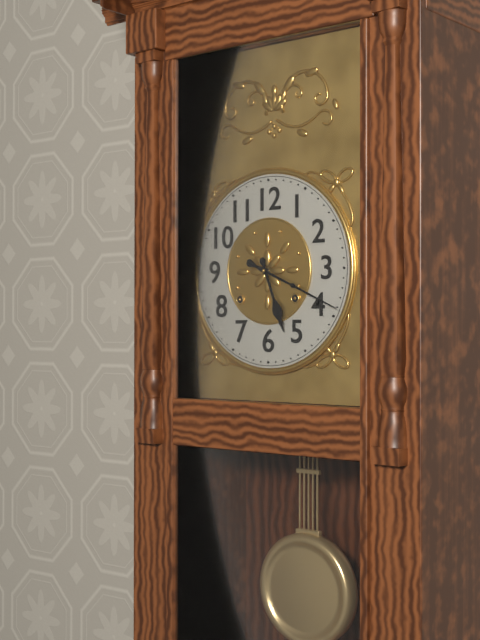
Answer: 5,19
